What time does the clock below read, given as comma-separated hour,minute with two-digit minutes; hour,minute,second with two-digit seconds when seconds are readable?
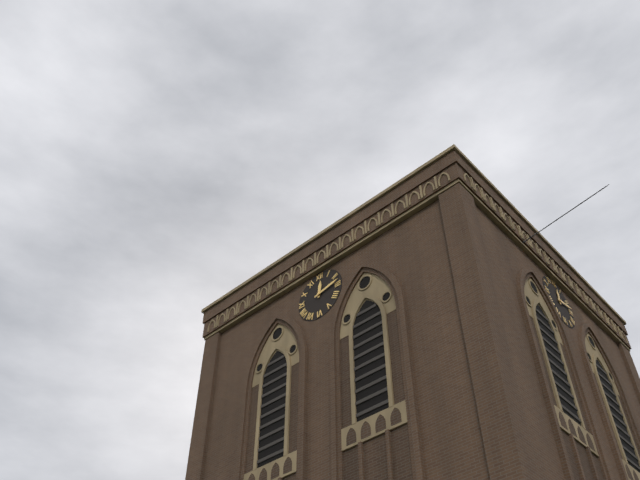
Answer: 12,13
